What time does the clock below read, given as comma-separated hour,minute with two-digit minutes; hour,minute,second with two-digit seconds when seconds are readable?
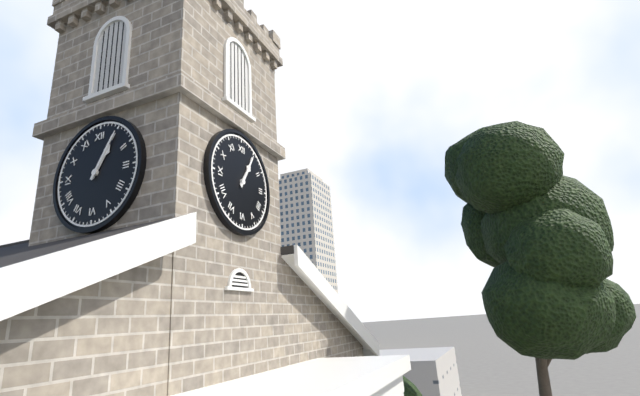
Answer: 1,05
